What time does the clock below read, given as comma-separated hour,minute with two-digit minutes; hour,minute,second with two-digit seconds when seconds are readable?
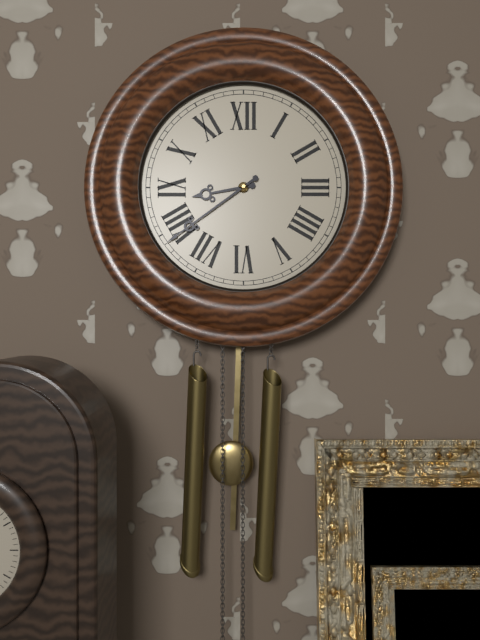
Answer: 8,39
